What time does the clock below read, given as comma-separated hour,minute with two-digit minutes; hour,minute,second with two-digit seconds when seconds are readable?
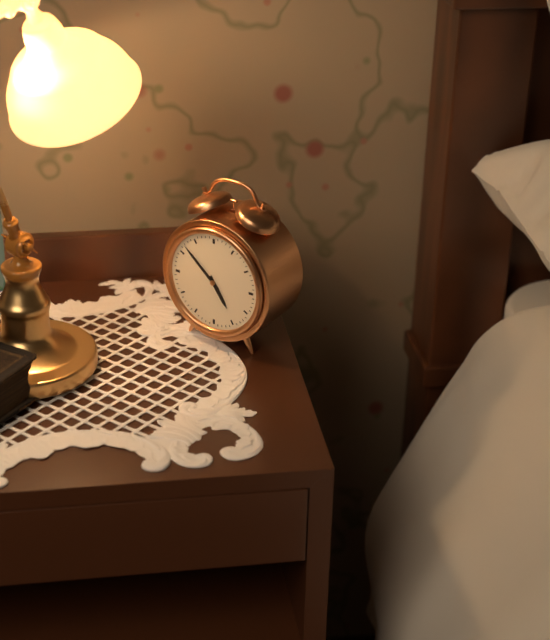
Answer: 4,52
